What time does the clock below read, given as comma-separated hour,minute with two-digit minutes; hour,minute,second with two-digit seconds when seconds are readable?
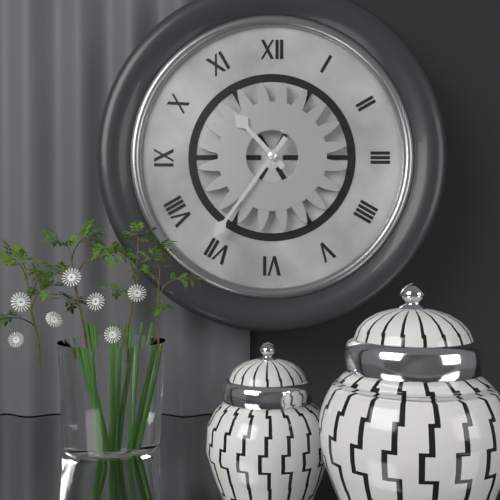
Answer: 10,36
